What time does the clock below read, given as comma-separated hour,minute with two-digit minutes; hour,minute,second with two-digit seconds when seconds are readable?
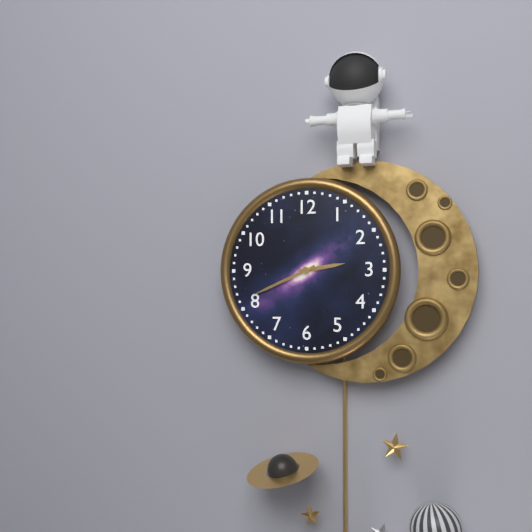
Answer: 2,41
